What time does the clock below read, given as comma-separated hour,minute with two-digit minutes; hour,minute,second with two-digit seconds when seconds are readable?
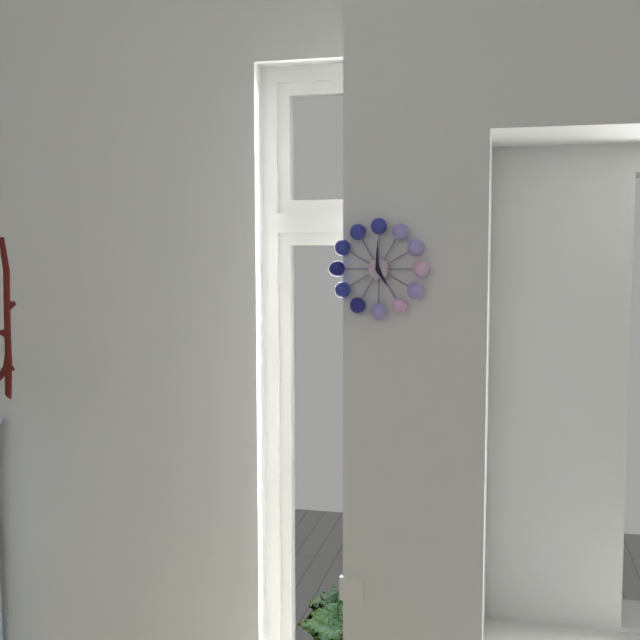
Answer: 5,00
